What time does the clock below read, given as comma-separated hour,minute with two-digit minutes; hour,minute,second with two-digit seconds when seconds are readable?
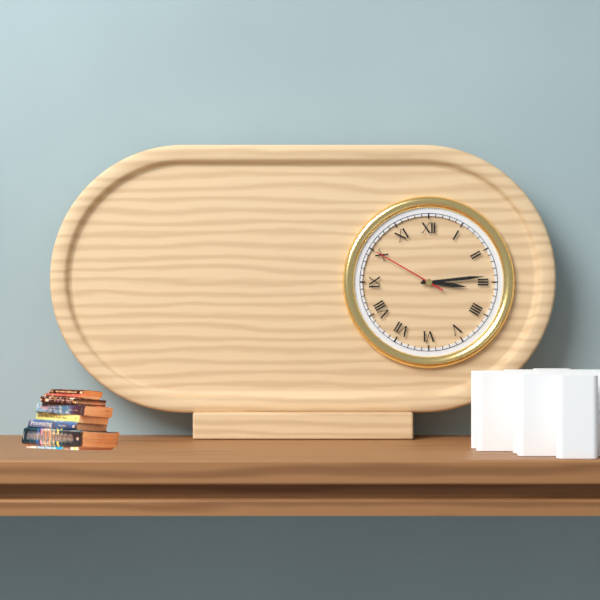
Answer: 3,14,50
